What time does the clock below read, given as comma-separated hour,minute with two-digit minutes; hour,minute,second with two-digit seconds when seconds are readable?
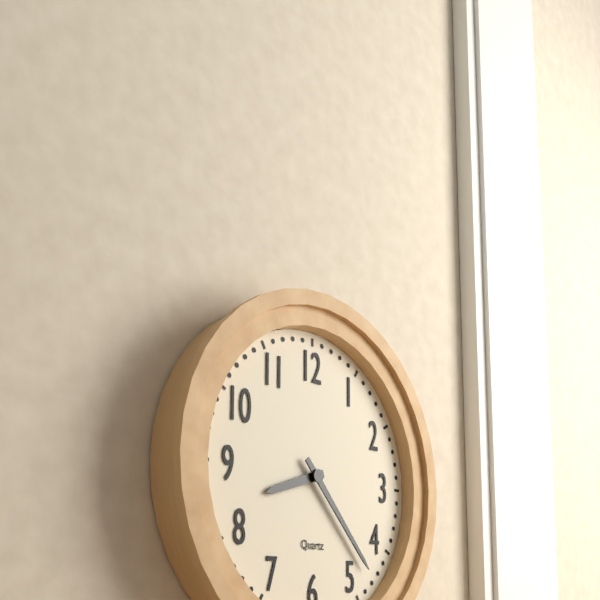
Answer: 8,23
